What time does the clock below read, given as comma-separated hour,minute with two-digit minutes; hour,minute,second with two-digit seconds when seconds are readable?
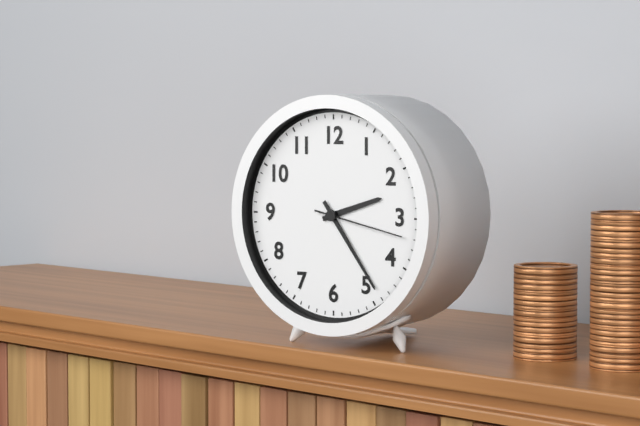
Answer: 2,24,17
